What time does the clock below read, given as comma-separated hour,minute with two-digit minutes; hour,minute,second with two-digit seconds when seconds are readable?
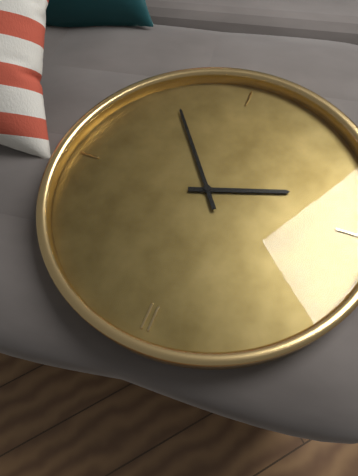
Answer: 8,24
